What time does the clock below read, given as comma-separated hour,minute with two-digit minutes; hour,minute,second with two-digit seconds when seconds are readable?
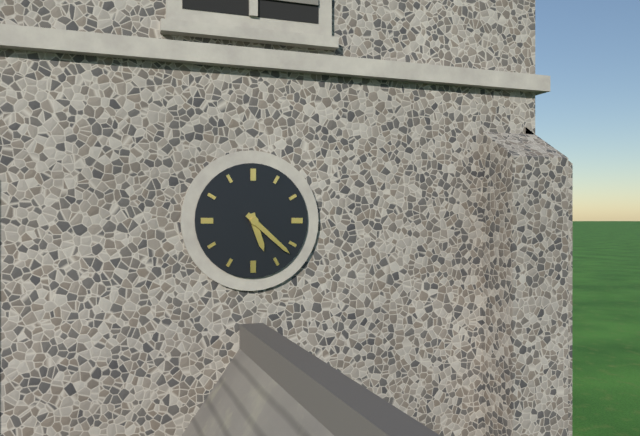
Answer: 5,22
